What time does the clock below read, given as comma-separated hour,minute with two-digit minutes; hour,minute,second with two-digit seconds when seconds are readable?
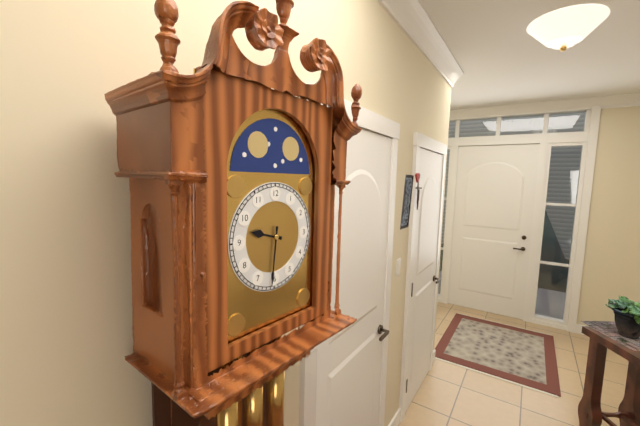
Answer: 9,31
